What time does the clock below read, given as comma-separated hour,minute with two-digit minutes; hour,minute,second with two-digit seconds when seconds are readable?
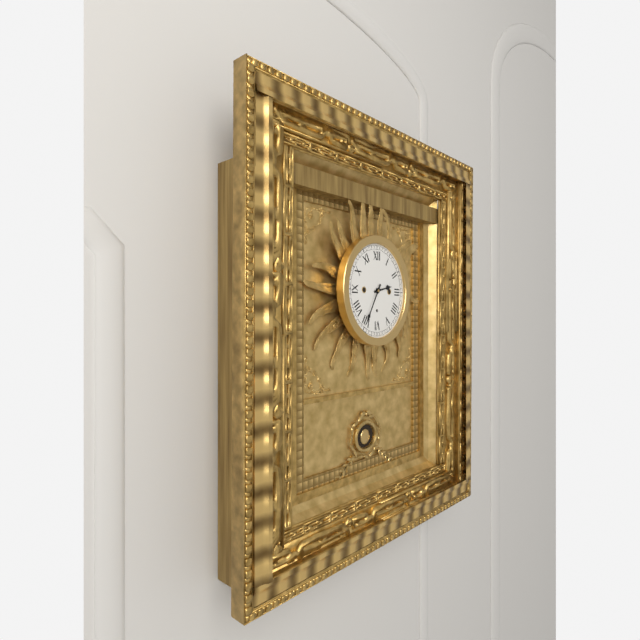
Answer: 2,35
